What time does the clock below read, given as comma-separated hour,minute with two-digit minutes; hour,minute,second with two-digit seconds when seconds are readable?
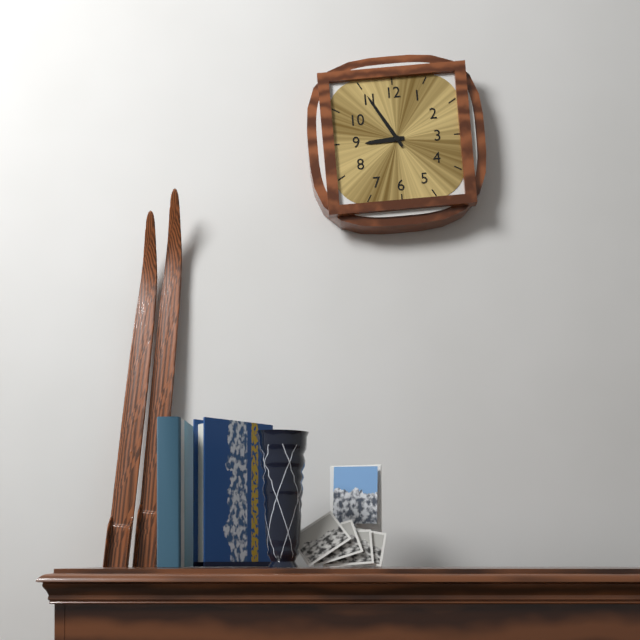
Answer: 8,55
